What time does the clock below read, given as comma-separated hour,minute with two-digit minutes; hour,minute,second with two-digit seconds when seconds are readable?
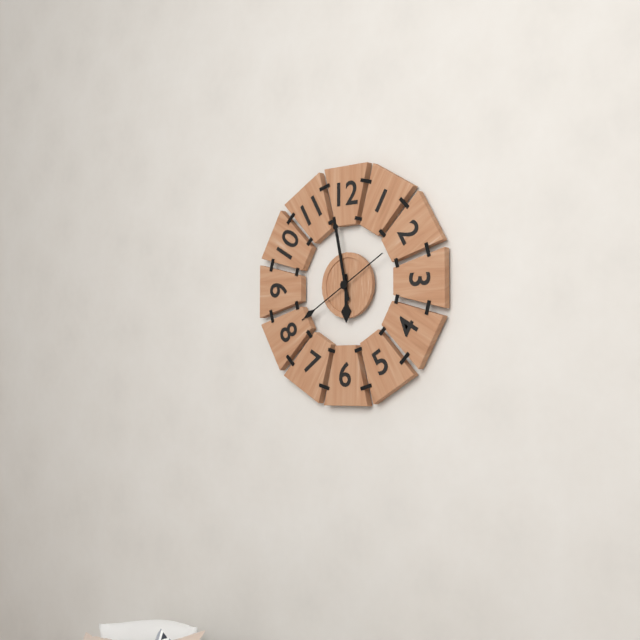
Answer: 5,58,40
